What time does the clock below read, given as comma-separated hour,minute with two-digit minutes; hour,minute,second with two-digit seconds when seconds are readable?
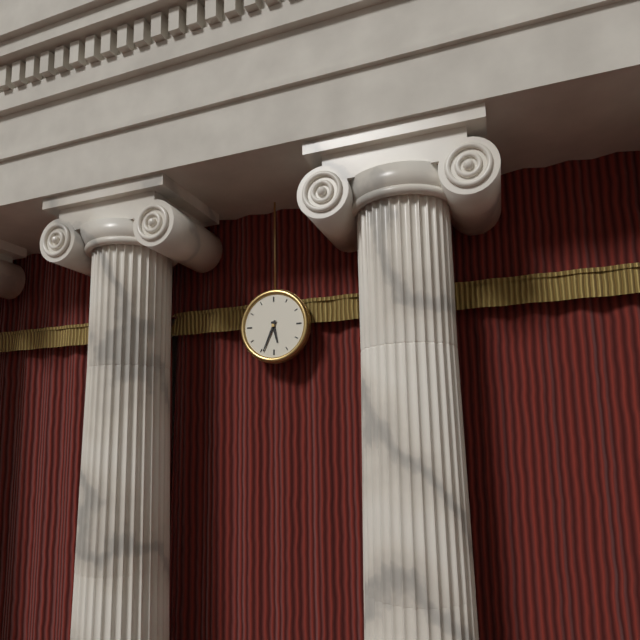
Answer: 5,34
